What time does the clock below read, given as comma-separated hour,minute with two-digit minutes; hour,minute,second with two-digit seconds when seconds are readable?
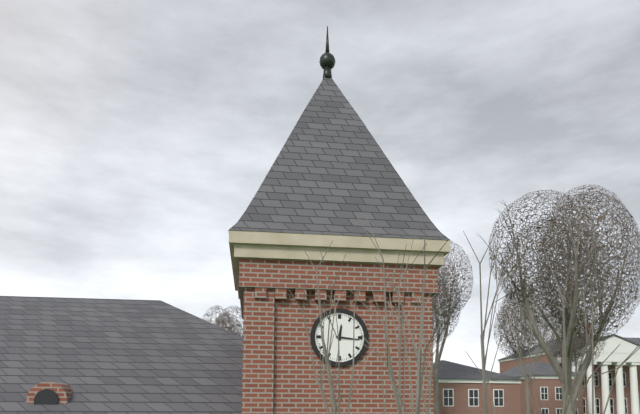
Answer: 12,16
